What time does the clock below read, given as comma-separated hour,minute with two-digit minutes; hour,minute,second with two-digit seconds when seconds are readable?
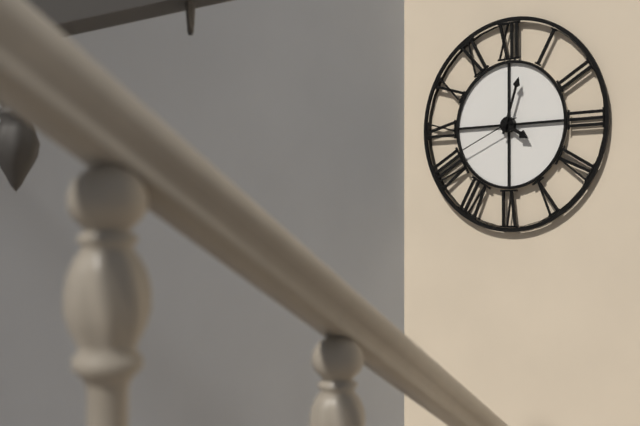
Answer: 4,03,41
